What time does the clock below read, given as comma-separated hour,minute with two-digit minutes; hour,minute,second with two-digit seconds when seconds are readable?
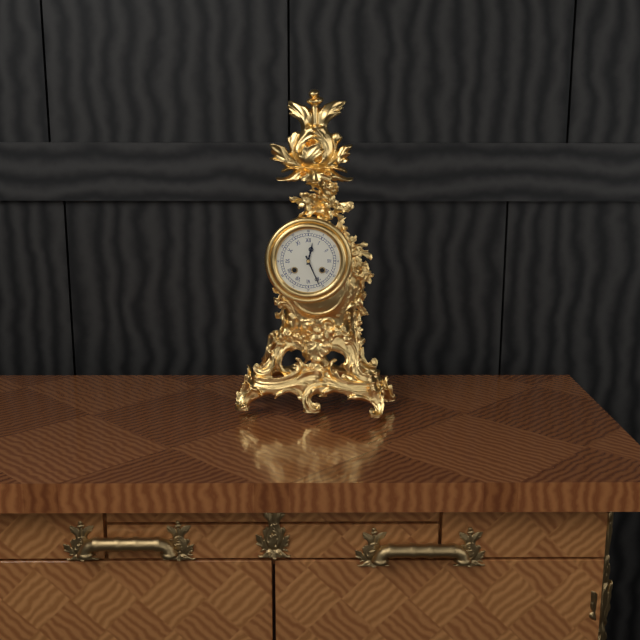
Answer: 12,26
